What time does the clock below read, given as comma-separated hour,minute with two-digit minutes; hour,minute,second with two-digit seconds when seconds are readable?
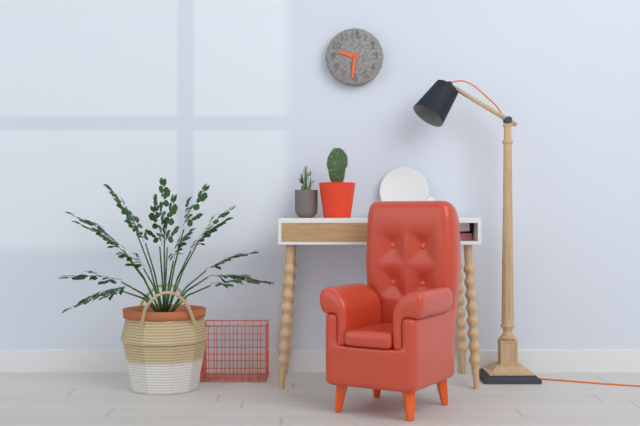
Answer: 9,31
